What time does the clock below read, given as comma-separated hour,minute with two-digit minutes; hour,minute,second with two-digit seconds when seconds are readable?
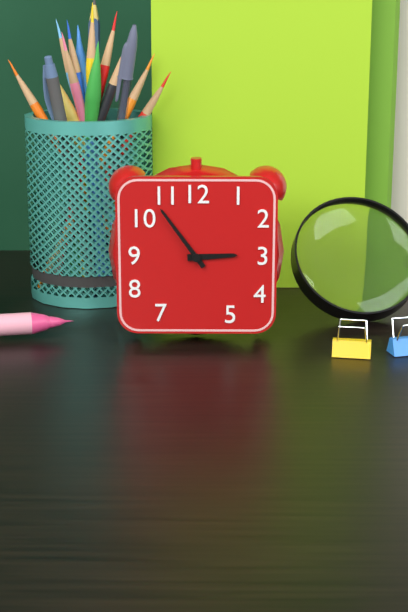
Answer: 2,54
